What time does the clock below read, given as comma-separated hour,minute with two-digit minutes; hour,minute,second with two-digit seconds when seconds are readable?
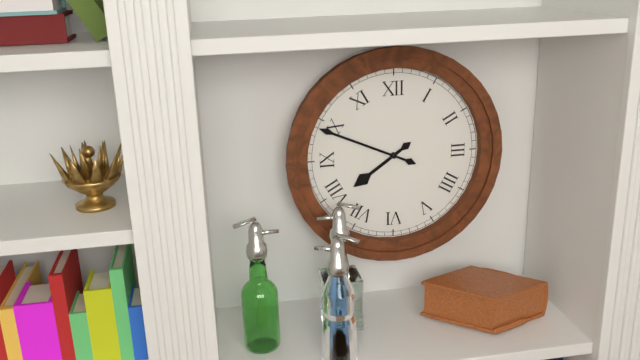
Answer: 7,49
